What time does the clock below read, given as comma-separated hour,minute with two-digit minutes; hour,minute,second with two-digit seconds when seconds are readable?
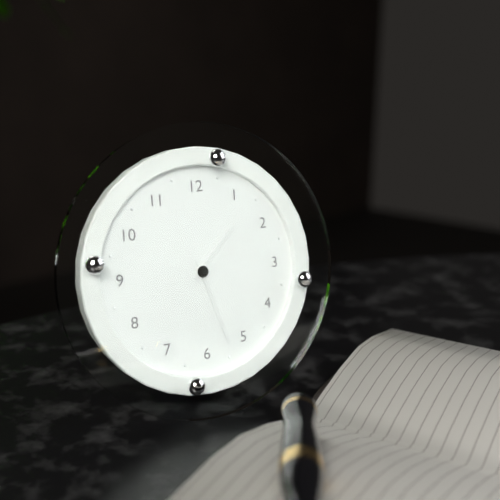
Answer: 1,27
